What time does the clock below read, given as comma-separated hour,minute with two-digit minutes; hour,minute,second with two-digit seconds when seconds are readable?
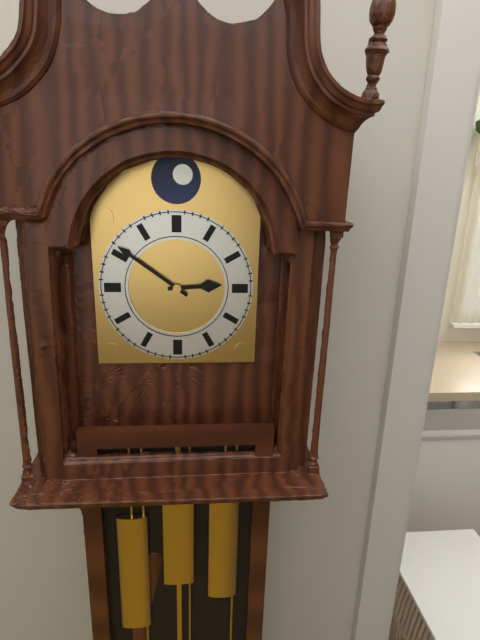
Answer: 2,51
